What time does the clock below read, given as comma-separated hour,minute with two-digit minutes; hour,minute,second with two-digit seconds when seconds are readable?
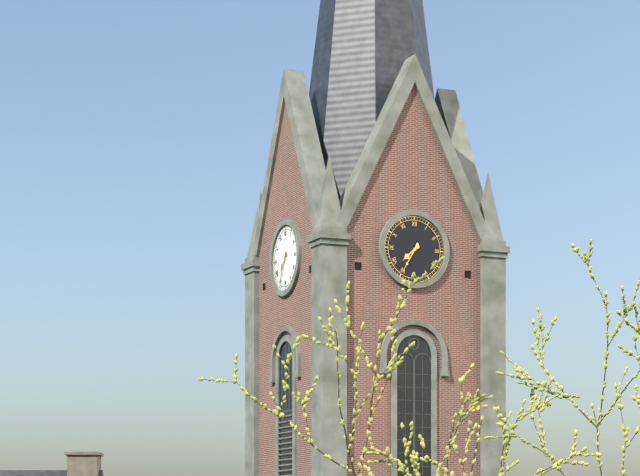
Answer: 7,35
